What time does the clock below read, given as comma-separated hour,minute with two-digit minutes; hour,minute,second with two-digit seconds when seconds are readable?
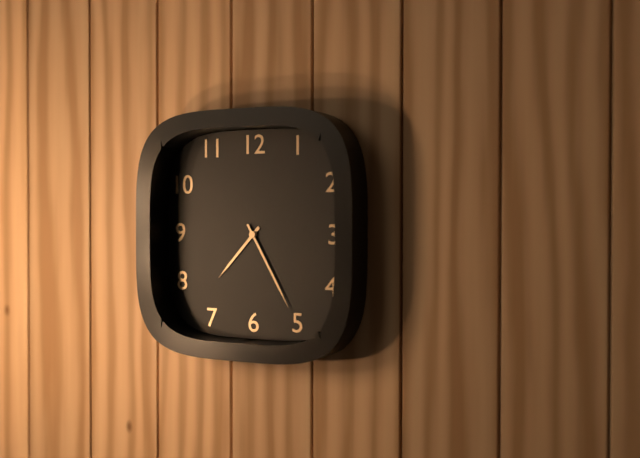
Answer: 7,25
